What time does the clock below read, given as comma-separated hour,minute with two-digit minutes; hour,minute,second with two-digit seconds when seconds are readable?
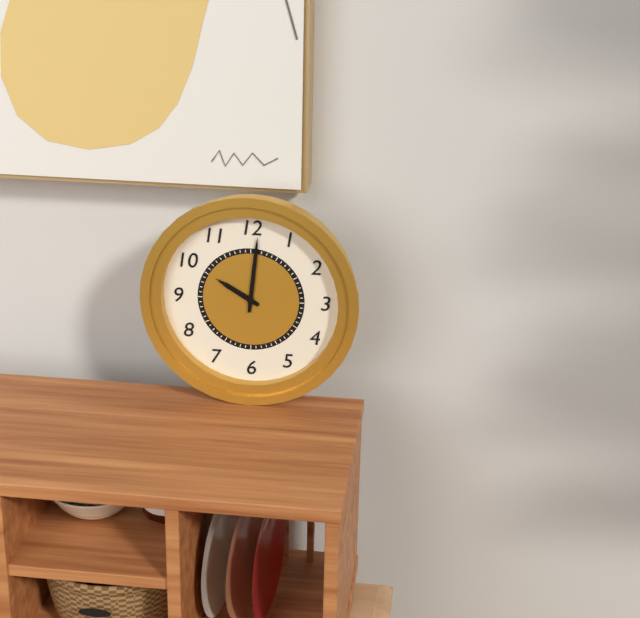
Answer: 10,01
